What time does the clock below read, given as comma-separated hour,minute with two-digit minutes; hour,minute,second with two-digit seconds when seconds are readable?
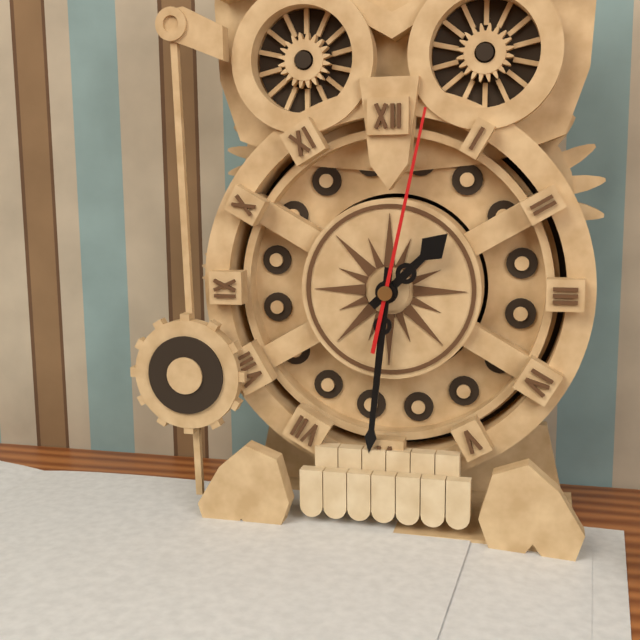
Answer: 1,31,02
